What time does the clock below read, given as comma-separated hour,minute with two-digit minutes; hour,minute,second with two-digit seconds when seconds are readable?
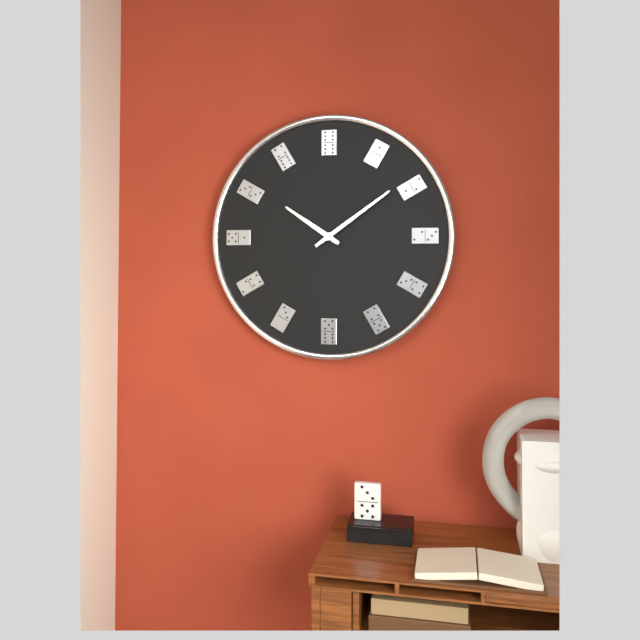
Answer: 10,09
